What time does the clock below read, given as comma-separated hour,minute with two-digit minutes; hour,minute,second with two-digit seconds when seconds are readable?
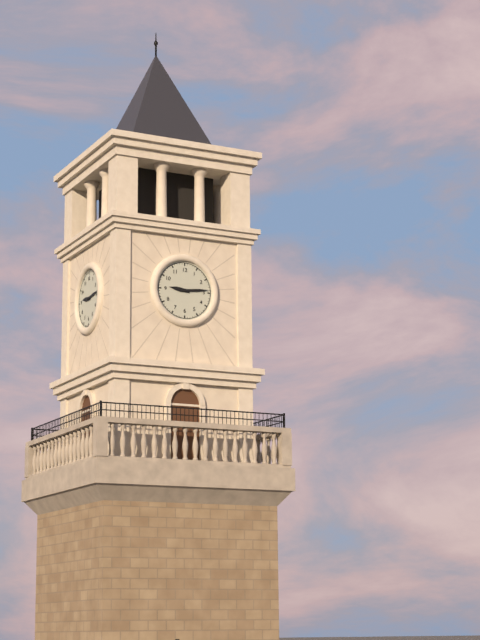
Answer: 9,14
